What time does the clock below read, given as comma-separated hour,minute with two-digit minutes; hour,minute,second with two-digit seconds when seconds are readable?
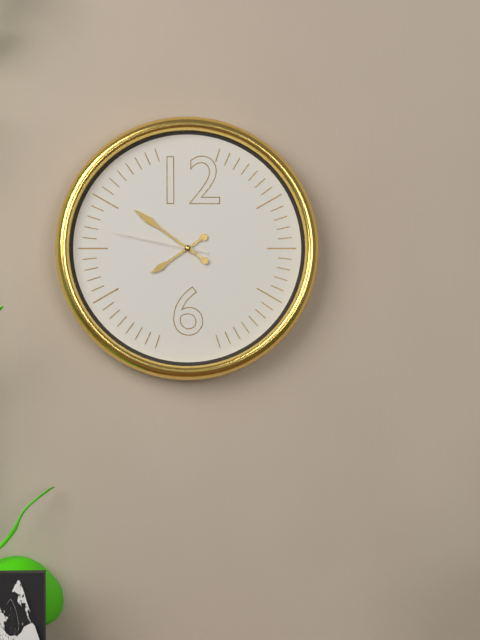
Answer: 7,51,47
